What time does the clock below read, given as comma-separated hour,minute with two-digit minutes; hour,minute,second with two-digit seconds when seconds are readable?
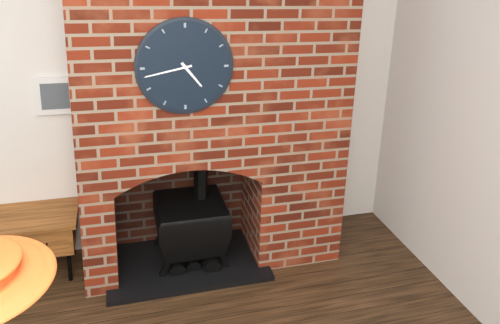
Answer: 4,43
